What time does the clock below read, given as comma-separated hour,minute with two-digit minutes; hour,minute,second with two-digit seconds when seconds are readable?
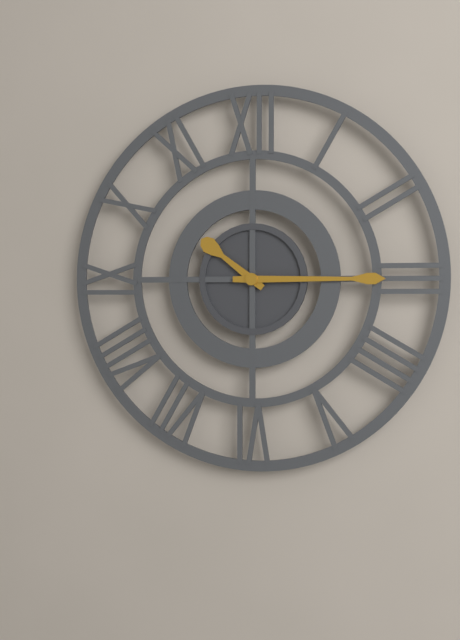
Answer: 10,15
